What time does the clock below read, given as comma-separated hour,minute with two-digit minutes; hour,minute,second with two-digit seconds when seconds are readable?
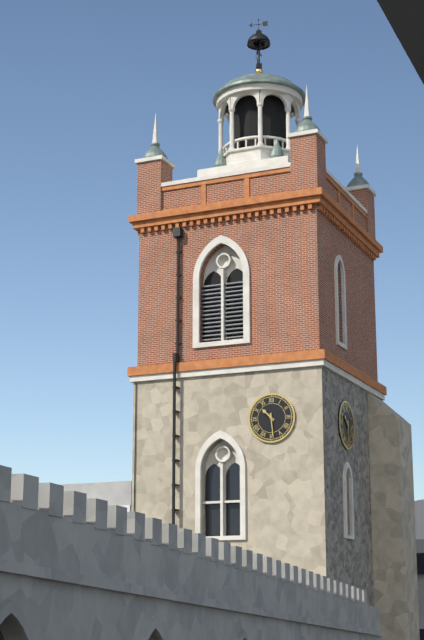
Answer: 10,29
